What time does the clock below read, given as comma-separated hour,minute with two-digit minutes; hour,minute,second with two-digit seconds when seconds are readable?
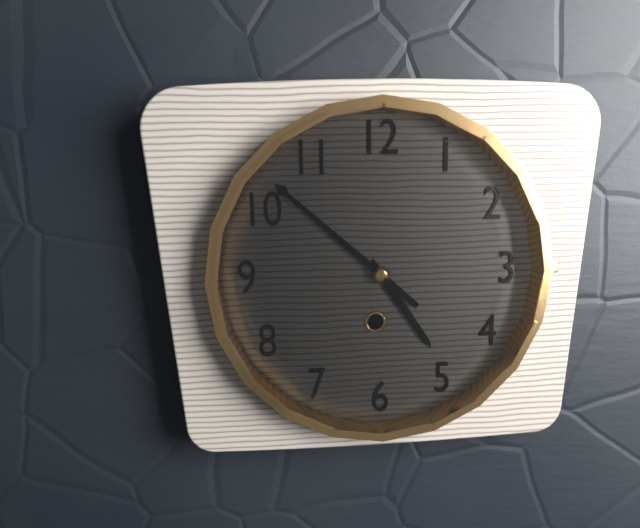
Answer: 4,52
